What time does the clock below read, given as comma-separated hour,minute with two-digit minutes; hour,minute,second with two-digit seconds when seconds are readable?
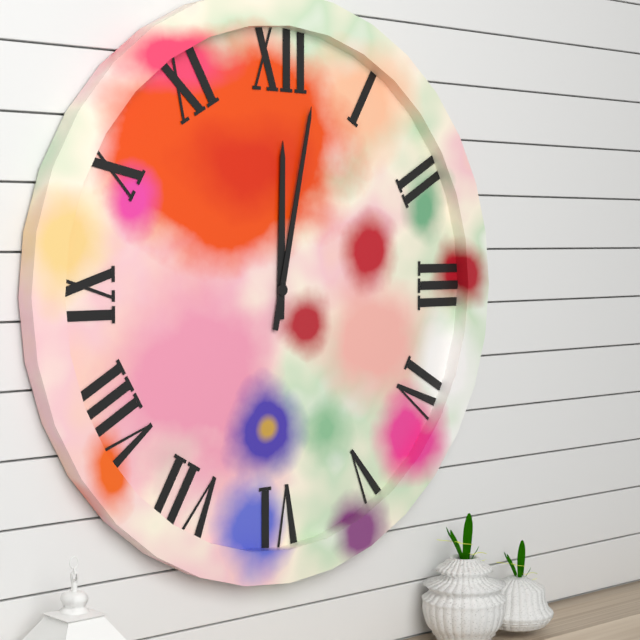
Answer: 12,02
